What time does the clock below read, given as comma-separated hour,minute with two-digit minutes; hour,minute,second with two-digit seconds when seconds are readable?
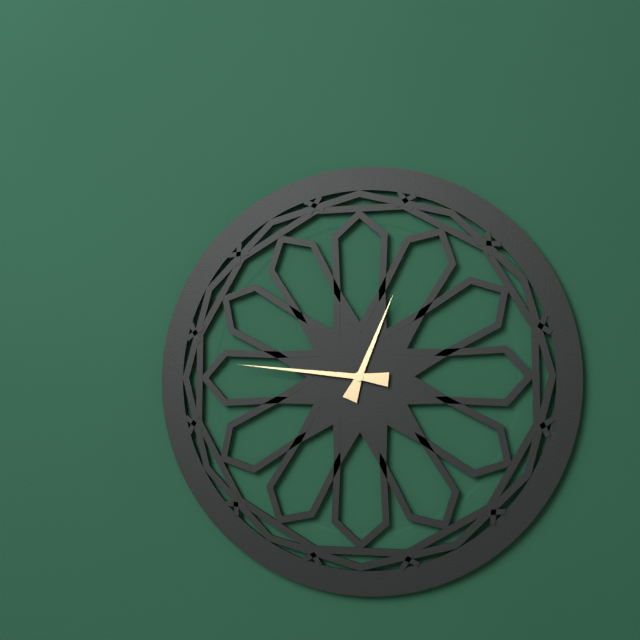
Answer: 12,46
